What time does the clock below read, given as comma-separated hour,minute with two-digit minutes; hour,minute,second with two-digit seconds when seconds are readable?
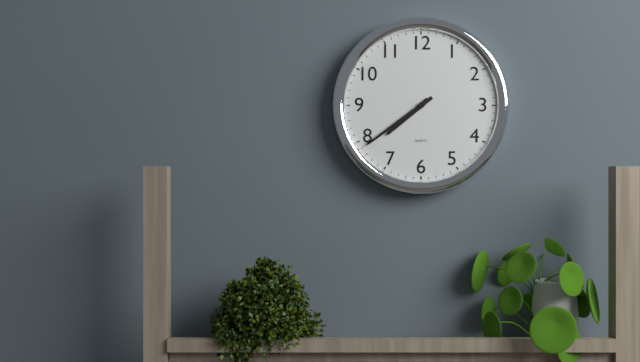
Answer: 7,39
